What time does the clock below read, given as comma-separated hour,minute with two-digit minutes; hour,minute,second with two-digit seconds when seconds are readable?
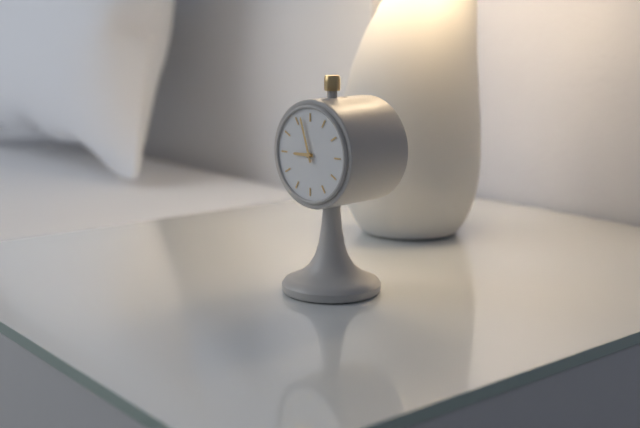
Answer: 8,57
